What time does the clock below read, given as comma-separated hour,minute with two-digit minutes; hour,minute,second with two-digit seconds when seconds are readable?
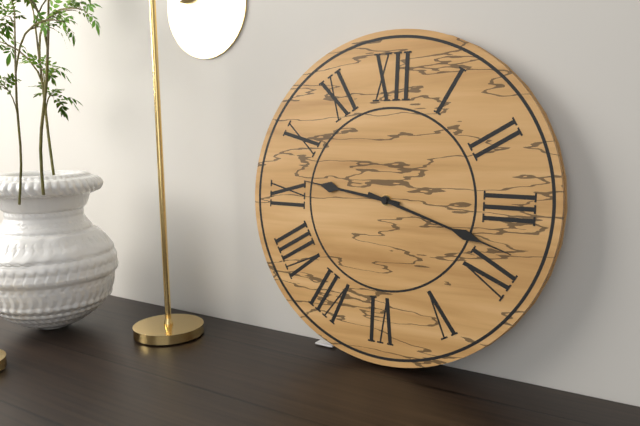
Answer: 9,18
